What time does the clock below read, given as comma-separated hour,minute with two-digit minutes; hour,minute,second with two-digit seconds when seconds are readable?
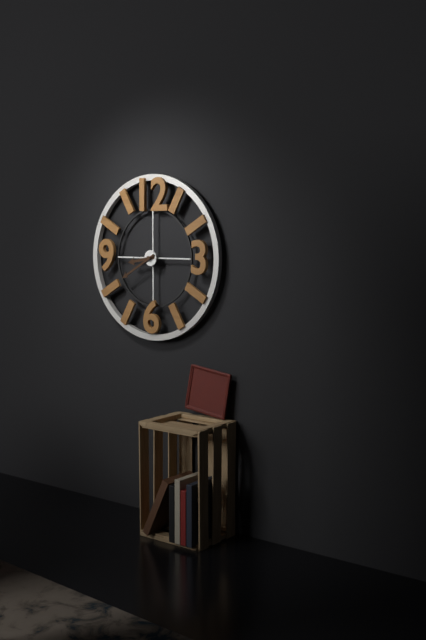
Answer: 8,40
